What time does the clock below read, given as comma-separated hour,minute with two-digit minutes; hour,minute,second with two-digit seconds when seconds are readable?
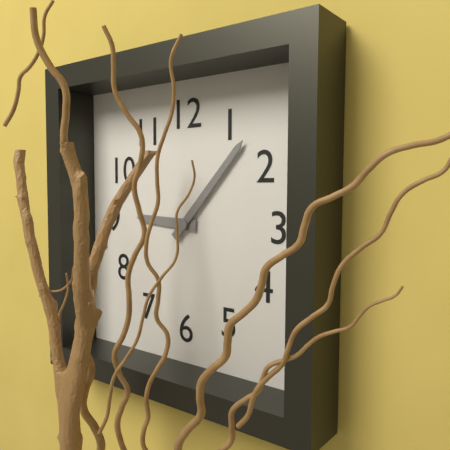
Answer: 9,07
